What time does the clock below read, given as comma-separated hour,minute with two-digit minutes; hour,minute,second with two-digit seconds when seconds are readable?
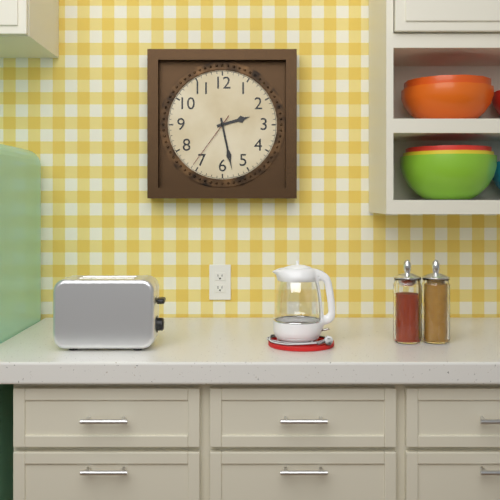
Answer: 2,28,36
